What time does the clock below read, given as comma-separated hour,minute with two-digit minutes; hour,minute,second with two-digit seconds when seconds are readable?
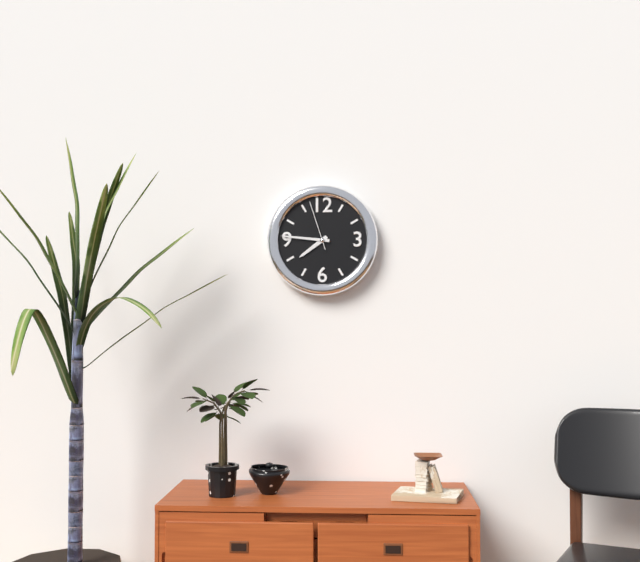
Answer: 7,46,57
